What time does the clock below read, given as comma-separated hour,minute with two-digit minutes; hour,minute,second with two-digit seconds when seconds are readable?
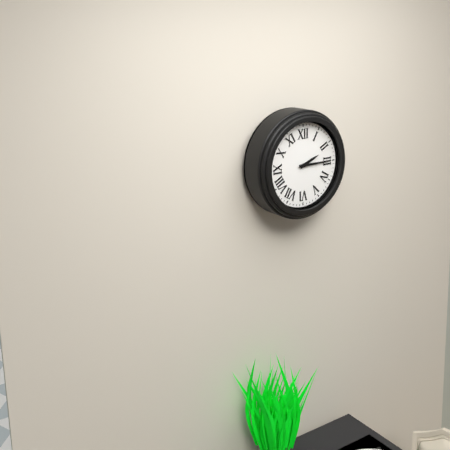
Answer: 2,15
